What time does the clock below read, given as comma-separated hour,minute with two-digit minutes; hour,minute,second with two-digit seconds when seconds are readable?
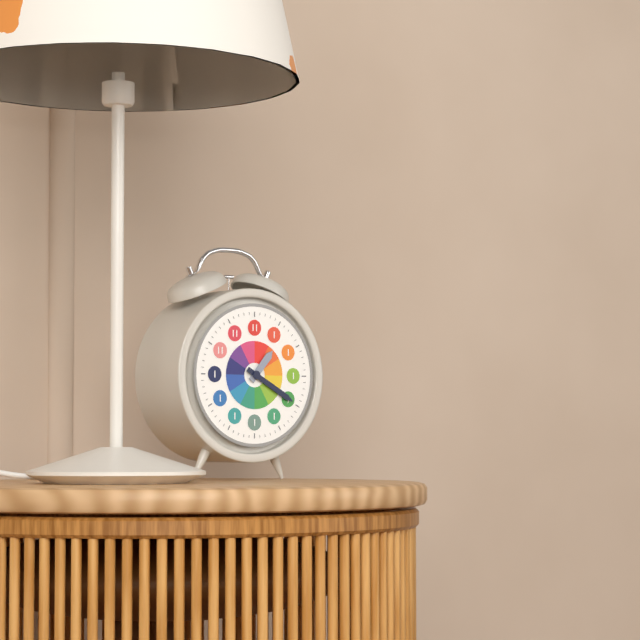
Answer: 1,20
